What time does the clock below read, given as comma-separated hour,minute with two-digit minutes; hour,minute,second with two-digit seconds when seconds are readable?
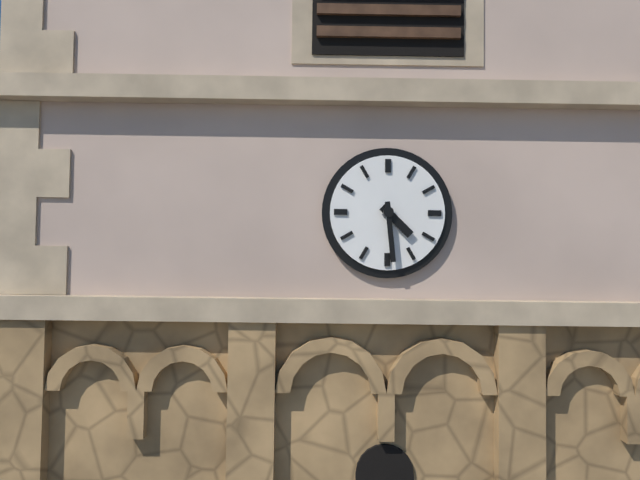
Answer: 4,29
